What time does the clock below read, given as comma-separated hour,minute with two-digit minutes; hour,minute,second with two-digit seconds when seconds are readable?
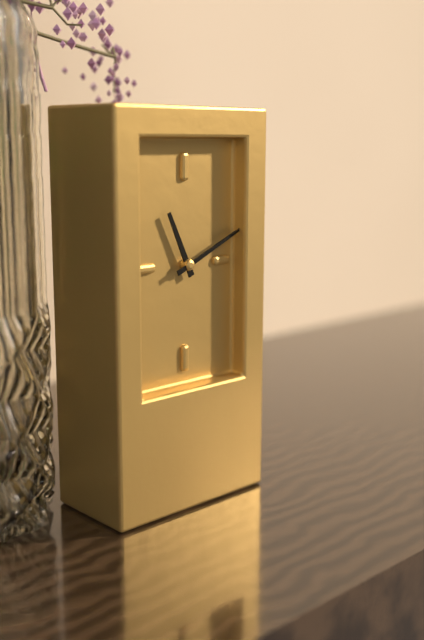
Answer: 11,11
